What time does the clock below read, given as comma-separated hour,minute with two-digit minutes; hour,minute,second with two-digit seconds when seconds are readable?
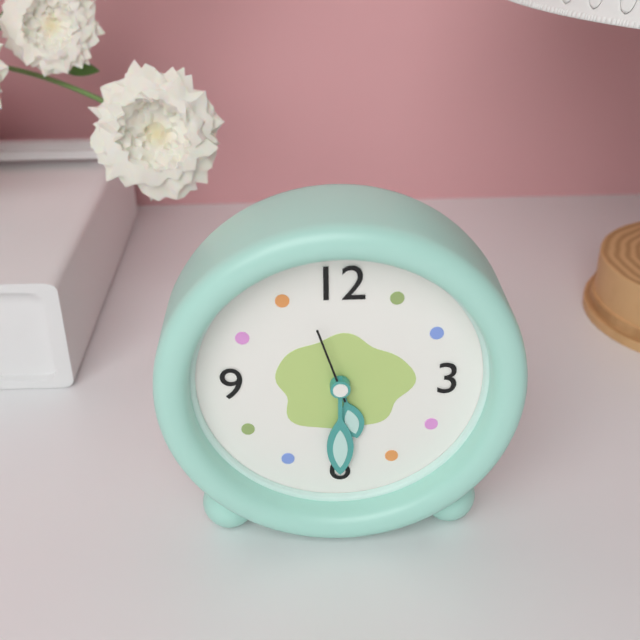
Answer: 5,30,57
